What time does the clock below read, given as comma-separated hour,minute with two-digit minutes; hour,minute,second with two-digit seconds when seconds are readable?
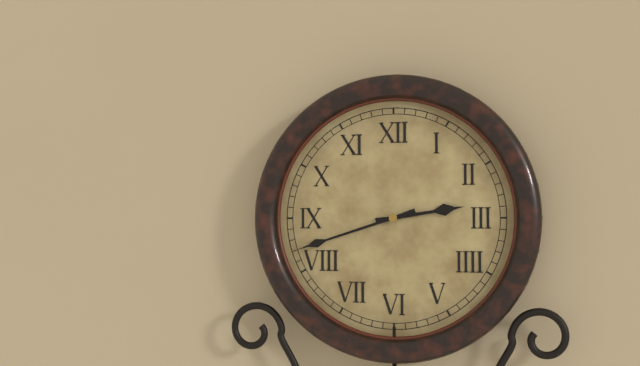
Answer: 2,42
